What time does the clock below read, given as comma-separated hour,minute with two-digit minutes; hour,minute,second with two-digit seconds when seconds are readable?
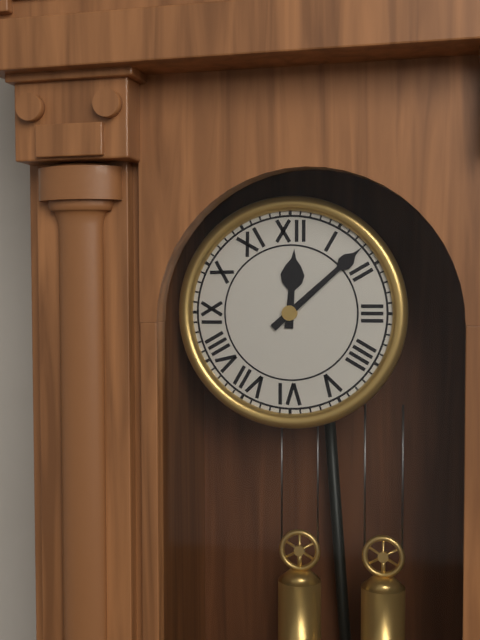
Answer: 12,08
